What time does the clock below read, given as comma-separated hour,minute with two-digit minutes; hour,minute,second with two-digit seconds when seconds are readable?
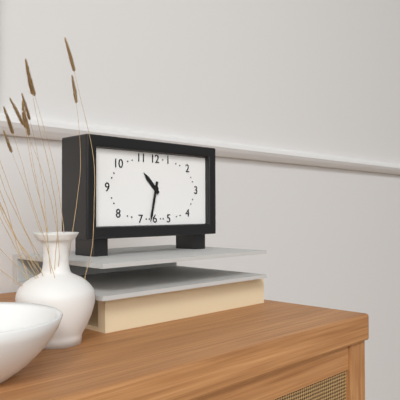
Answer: 10,32
